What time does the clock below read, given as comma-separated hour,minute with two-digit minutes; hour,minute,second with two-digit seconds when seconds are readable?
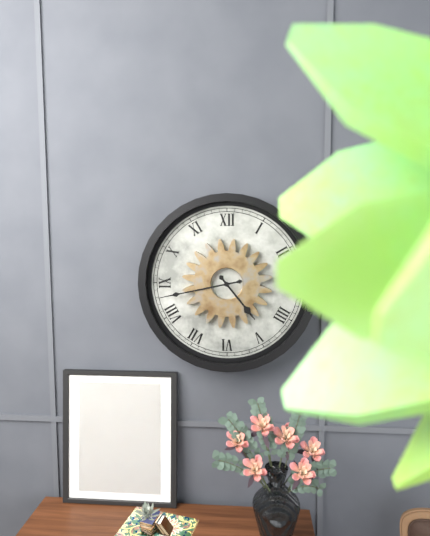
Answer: 4,43
